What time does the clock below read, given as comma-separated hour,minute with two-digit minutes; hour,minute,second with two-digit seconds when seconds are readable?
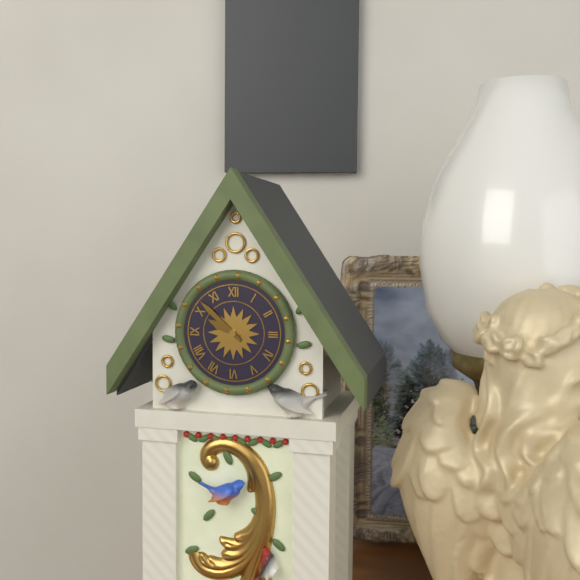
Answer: 9,52
